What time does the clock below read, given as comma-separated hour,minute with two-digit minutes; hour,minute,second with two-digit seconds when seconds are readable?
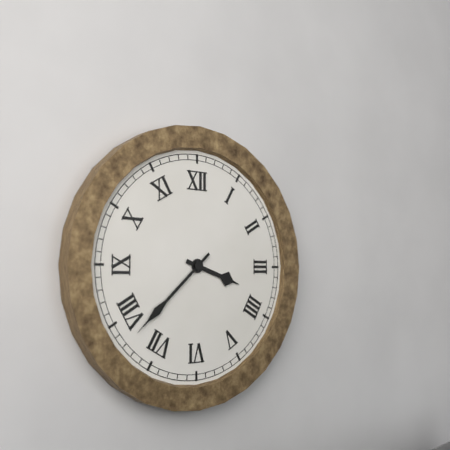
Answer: 3,38
